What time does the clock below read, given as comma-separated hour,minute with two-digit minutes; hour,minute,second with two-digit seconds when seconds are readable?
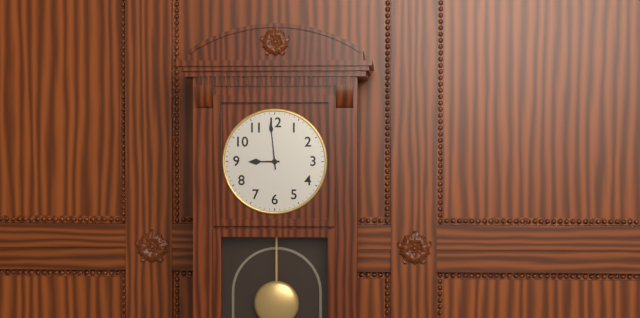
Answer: 8,59
